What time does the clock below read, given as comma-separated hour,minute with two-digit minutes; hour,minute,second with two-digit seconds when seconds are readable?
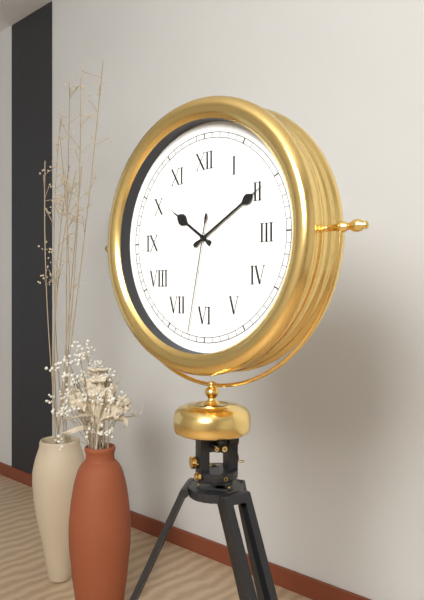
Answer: 10,10,32
